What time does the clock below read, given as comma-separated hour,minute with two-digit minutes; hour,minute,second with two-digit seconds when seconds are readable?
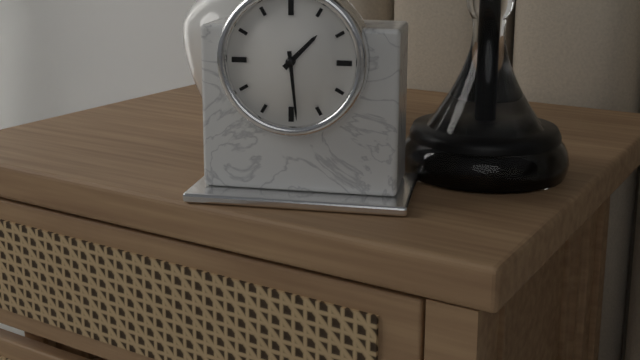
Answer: 1,29
